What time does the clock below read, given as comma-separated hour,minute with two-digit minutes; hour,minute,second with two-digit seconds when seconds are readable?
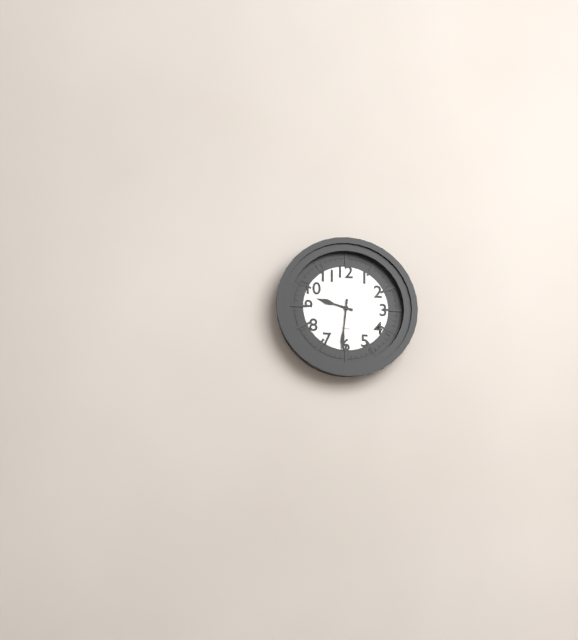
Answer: 9,31
